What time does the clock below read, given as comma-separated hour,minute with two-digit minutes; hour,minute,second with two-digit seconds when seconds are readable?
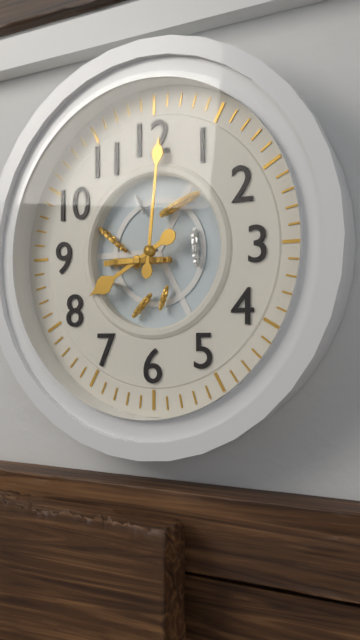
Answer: 8,01
